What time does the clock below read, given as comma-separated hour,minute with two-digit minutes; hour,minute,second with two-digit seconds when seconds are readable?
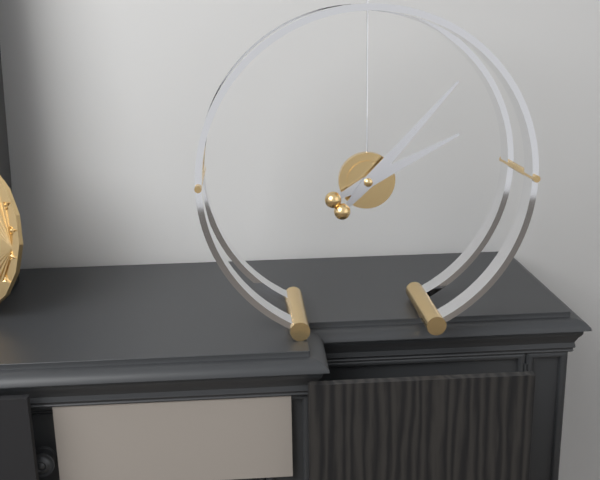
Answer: 2,07
